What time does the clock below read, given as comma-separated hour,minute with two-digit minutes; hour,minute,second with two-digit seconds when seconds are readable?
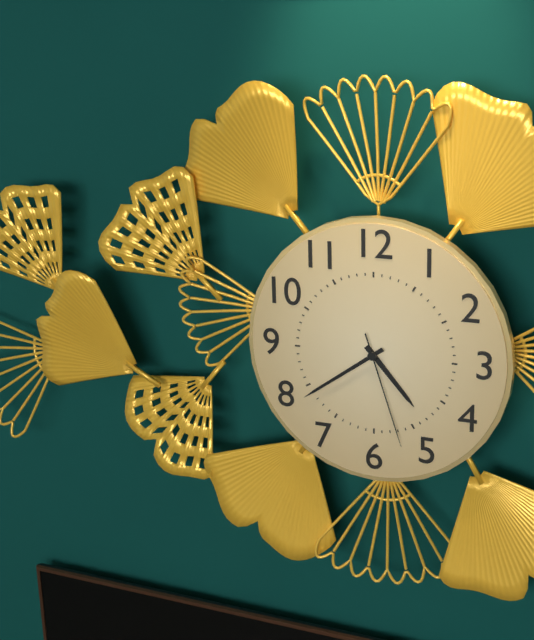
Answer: 4,39,27
